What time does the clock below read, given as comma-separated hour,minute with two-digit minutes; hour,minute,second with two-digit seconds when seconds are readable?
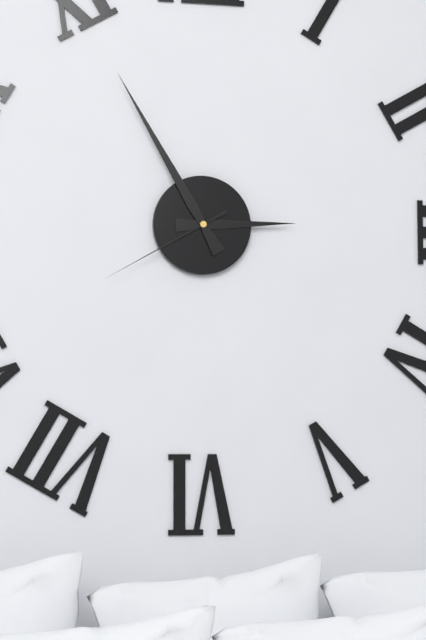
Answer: 2,55,40
